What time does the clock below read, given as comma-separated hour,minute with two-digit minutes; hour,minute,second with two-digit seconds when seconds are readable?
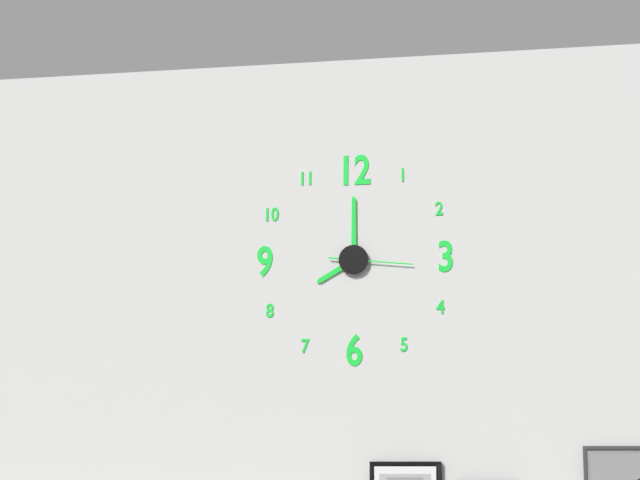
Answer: 8,00,16
